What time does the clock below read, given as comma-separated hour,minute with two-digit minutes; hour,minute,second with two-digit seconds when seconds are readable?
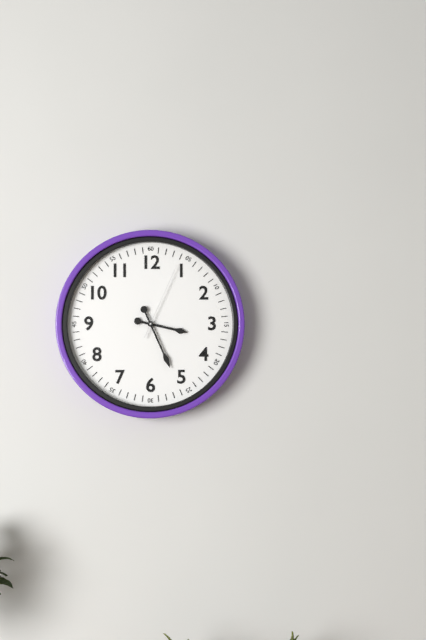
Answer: 3,26,04
